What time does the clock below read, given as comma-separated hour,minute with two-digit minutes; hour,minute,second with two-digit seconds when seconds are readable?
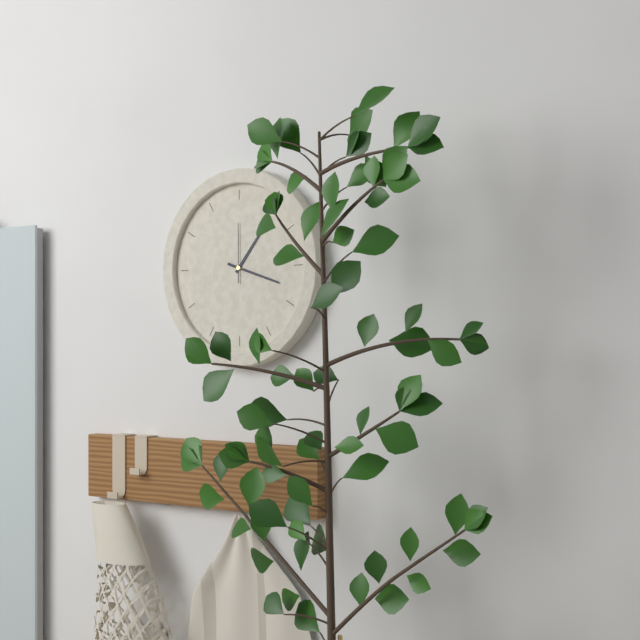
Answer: 1,18,00
